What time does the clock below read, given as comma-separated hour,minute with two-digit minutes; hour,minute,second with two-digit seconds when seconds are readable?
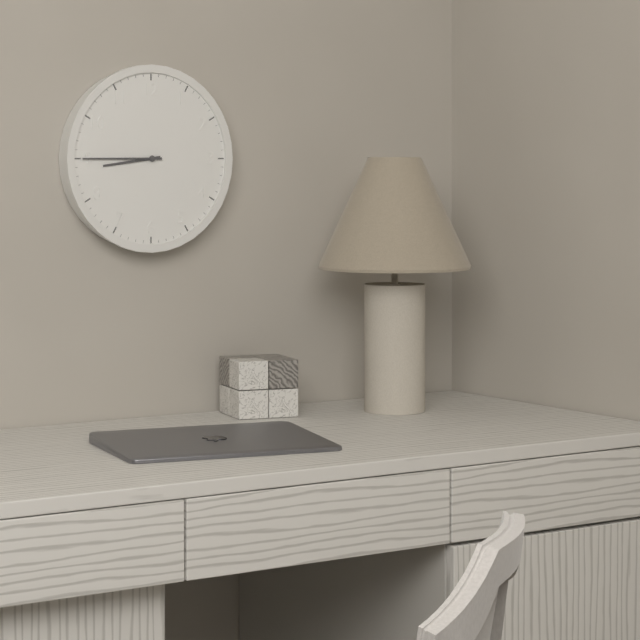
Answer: 8,45
